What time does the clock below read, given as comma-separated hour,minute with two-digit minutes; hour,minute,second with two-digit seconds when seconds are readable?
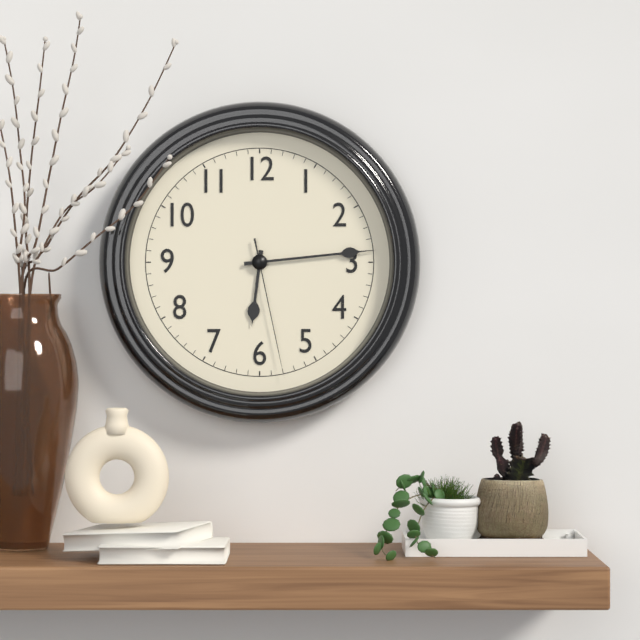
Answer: 6,14,28
